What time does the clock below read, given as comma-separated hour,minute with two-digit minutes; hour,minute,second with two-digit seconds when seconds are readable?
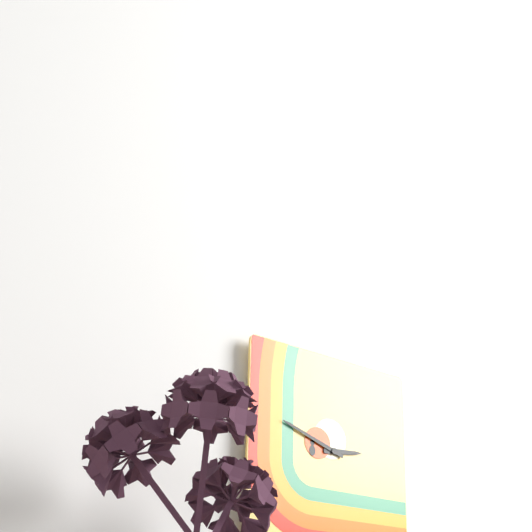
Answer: 2,48
